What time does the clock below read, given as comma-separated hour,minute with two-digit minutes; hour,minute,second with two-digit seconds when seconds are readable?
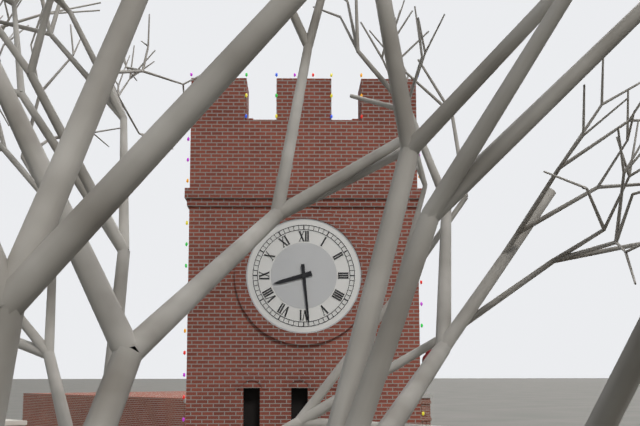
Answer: 8,29
